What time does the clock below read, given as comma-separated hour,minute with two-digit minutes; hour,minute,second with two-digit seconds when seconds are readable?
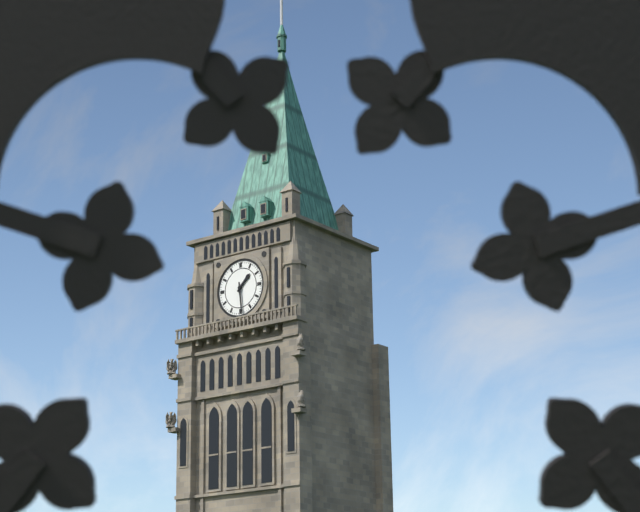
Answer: 1,29
